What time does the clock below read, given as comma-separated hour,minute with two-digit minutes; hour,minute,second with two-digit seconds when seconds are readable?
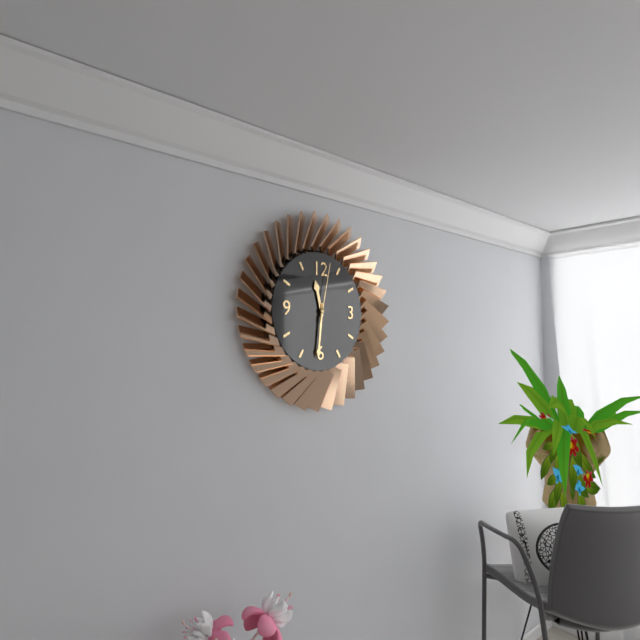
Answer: 11,31,02
